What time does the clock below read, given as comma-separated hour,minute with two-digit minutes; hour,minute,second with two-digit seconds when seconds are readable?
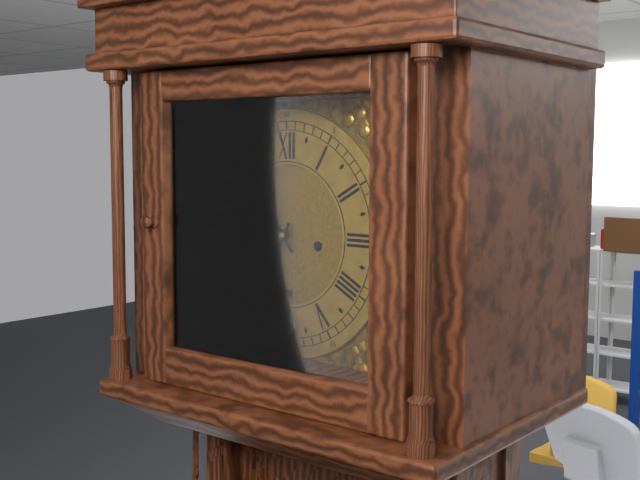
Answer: 6,54
